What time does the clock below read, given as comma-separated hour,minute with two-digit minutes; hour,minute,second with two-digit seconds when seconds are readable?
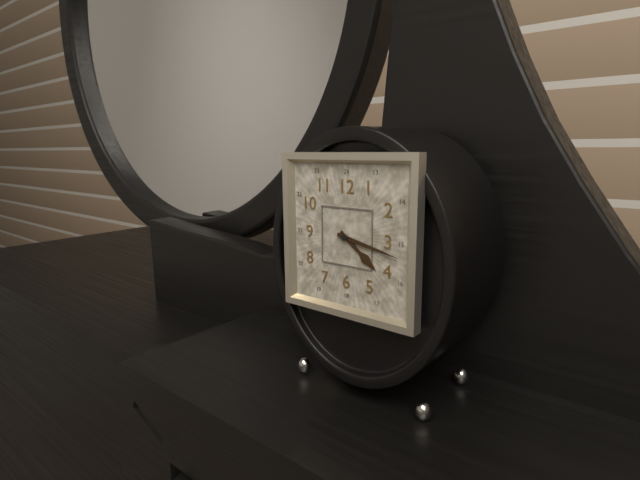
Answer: 4,17
